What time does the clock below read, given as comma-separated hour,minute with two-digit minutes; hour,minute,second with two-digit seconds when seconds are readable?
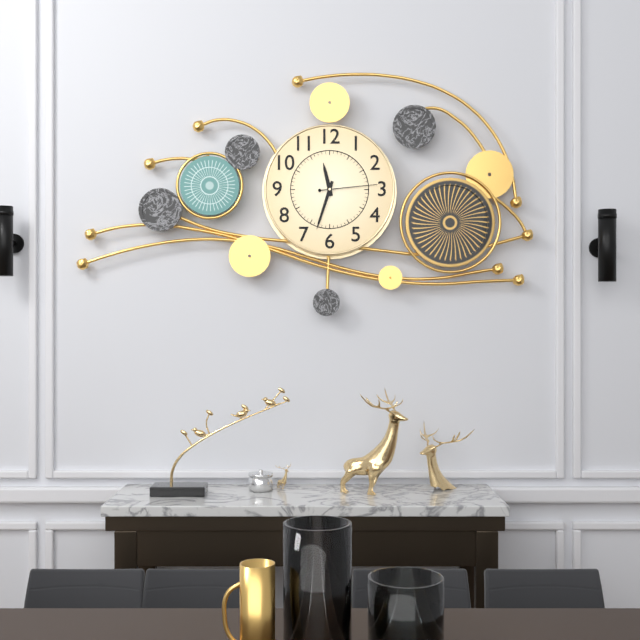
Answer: 11,33,14
